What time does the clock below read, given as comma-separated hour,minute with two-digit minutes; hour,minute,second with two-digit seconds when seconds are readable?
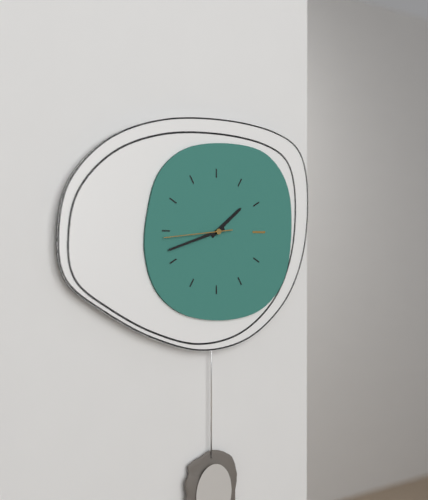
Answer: 1,42,44
